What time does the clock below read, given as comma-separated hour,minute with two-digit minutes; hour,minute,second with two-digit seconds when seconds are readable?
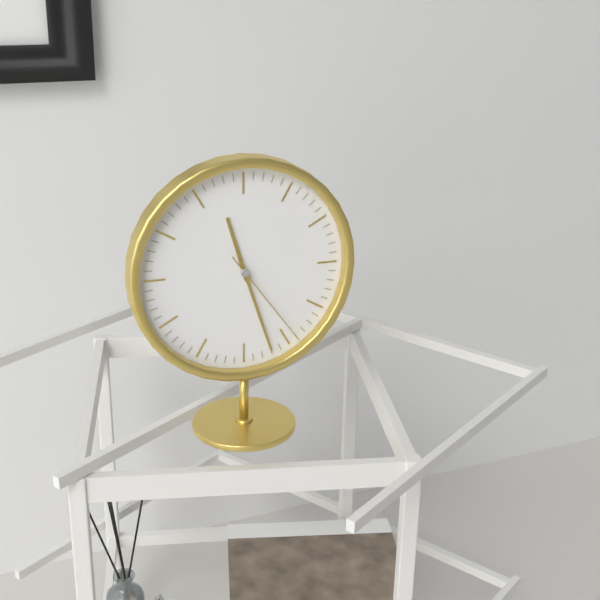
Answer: 11,27,24
